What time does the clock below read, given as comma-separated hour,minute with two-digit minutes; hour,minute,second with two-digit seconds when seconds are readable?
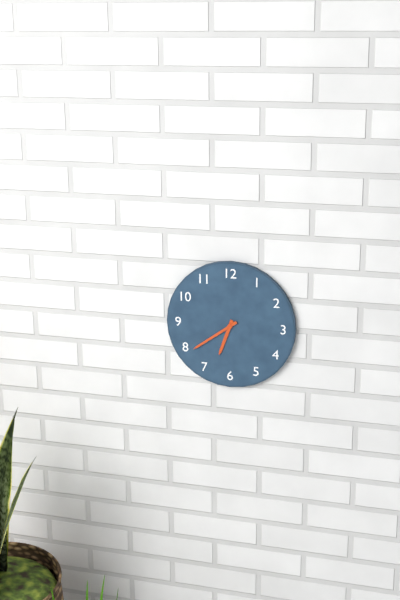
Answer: 6,39
